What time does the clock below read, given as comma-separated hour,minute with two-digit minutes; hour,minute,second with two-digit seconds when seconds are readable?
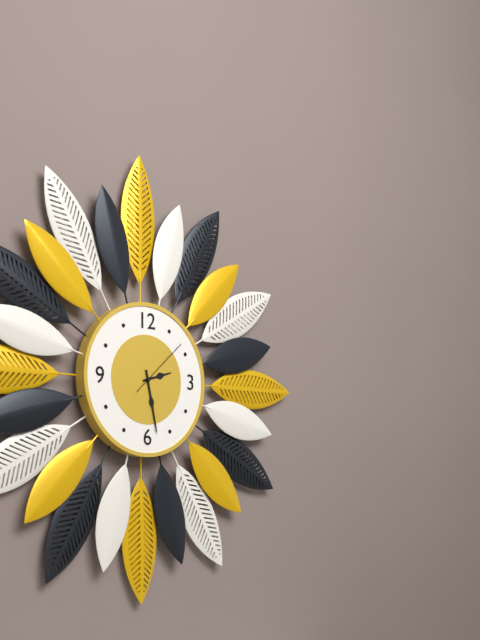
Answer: 2,28,08
